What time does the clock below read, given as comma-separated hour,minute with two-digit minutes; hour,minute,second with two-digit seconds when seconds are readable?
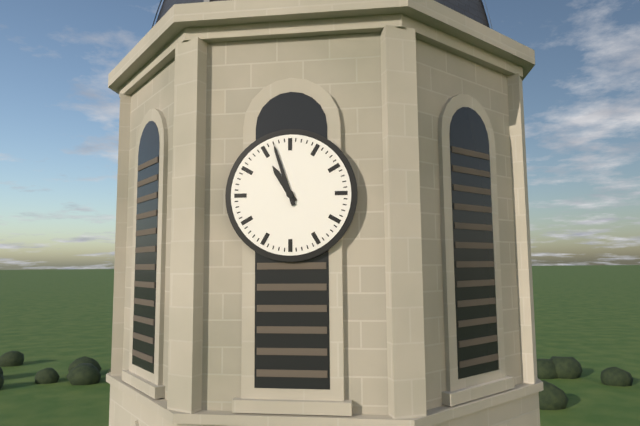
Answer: 10,57
